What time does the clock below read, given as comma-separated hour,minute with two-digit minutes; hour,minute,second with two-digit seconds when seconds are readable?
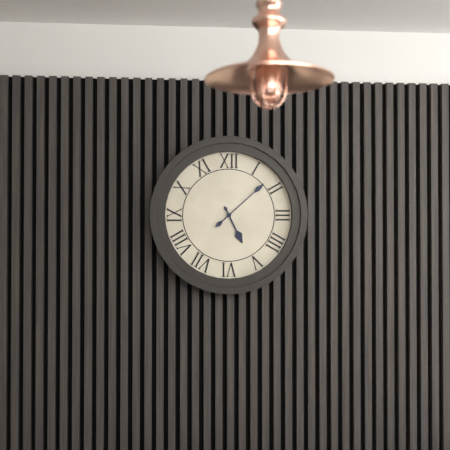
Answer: 5,08
